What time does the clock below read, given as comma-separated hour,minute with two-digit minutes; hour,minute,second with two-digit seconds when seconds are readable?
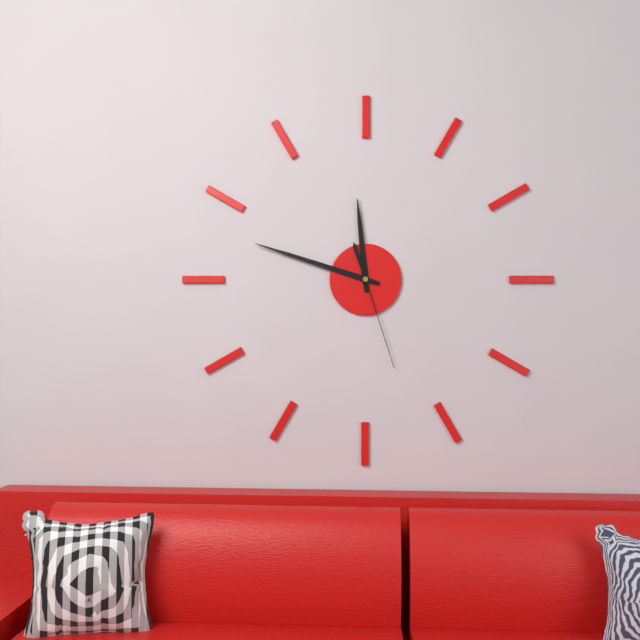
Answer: 11,48,27
